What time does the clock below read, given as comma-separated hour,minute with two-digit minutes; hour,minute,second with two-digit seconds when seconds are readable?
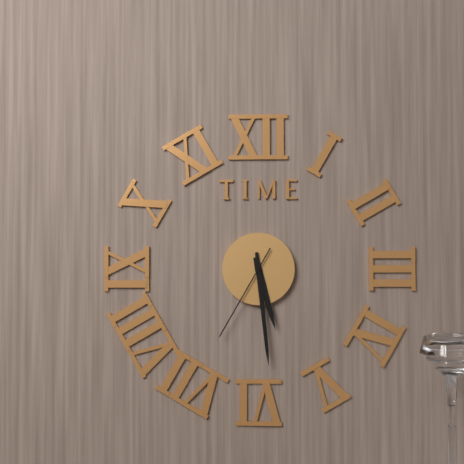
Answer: 5,29,35
